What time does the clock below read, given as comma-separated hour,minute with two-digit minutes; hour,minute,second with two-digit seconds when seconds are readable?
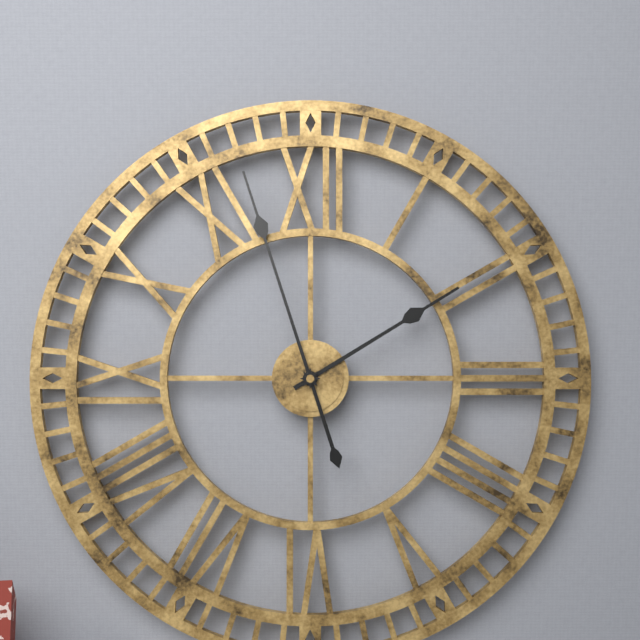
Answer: 1,57
